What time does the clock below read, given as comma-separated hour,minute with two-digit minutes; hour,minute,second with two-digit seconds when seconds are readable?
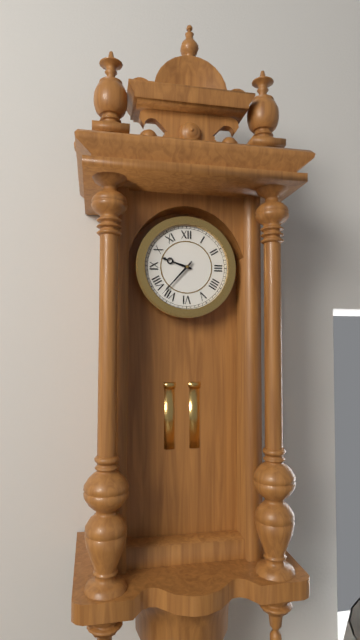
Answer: 9,37
